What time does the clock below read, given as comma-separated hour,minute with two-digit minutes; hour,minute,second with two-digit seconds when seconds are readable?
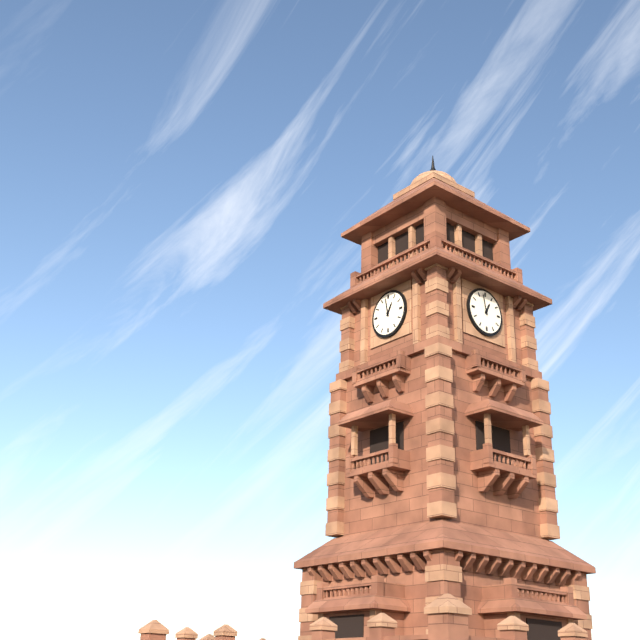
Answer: 12,58
